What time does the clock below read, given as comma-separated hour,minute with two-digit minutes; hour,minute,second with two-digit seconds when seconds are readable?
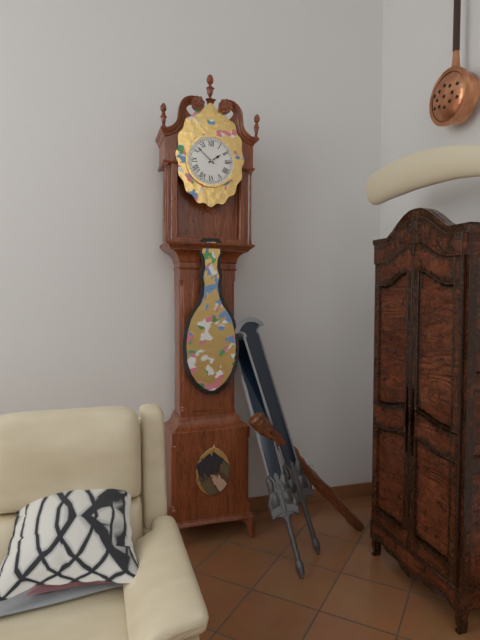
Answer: 1,52
